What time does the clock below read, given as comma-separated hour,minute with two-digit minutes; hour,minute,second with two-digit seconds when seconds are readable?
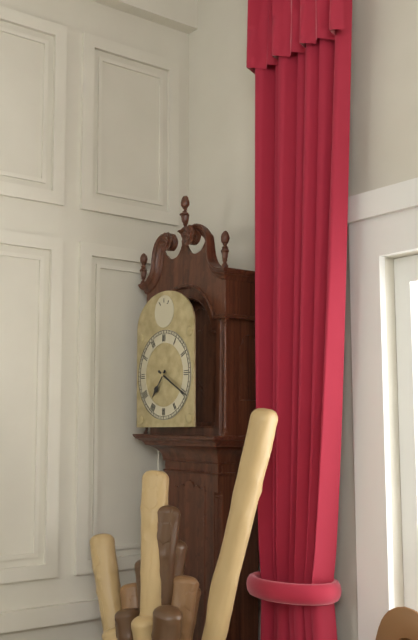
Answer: 7,20
